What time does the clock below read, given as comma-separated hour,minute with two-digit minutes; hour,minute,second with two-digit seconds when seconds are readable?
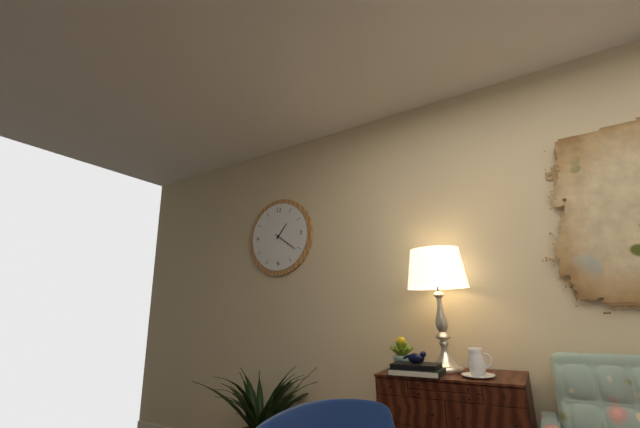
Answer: 1,21
